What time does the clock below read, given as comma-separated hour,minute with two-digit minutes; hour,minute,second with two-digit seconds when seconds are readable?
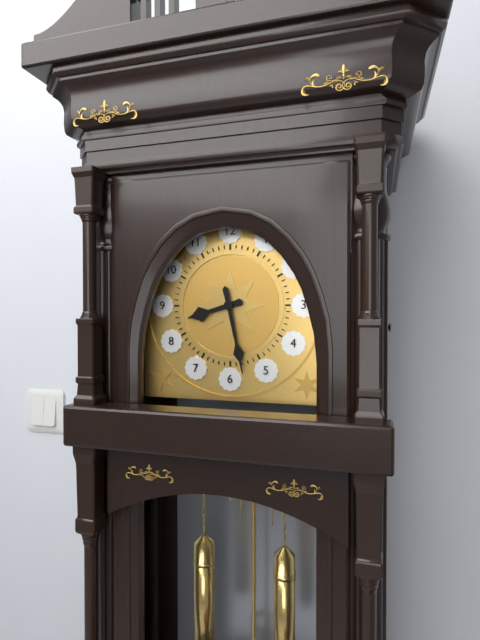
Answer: 8,28
